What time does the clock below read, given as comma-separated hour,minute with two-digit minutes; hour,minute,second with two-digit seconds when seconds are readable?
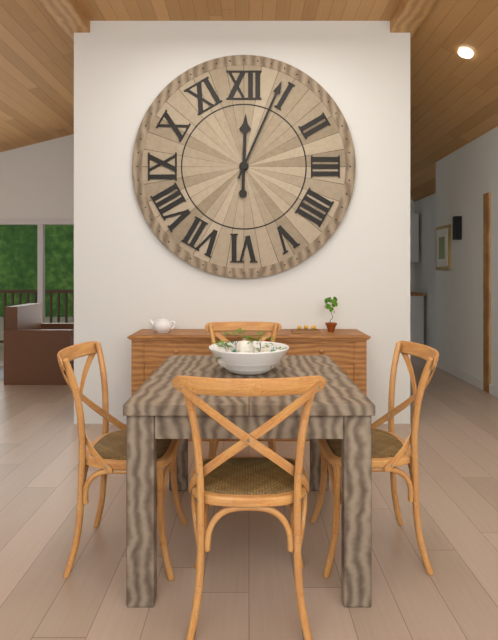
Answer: 12,04
